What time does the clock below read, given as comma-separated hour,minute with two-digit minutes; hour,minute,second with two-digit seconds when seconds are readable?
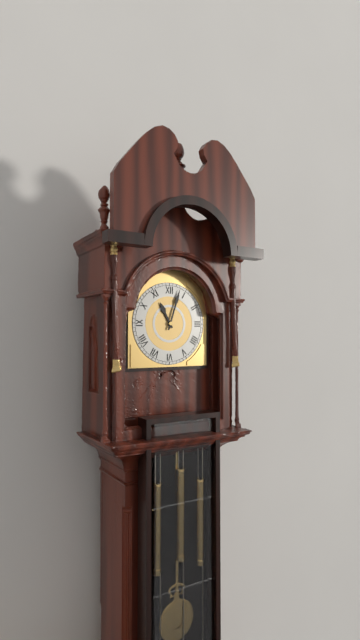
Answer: 11,03
